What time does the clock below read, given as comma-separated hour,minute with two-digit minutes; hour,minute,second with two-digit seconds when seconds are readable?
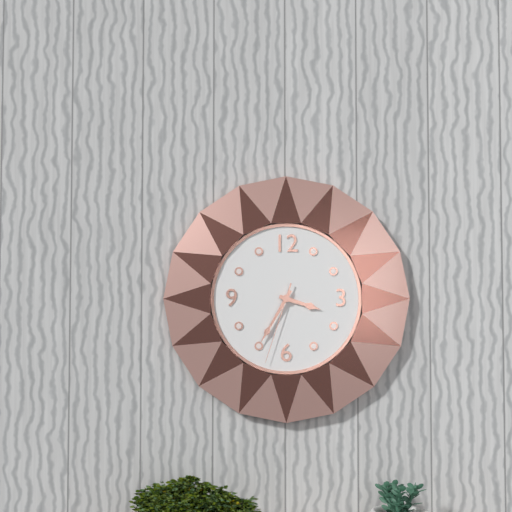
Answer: 3,35,33
